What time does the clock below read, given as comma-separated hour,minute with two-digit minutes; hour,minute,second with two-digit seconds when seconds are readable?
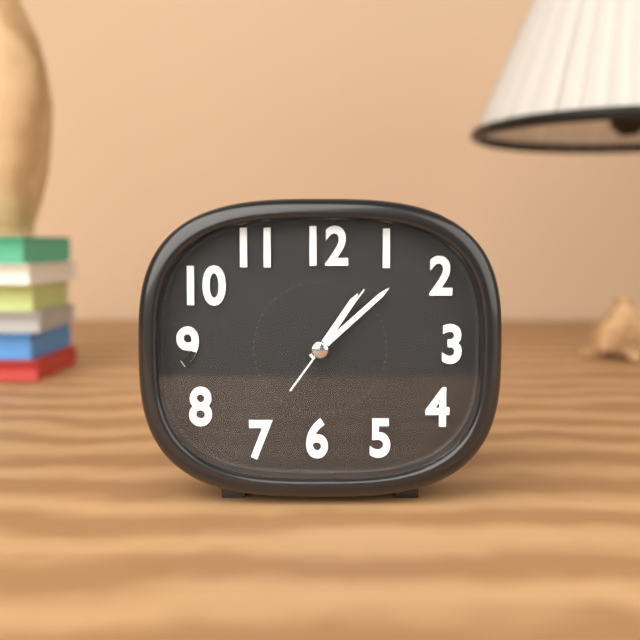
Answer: 1,08,06
